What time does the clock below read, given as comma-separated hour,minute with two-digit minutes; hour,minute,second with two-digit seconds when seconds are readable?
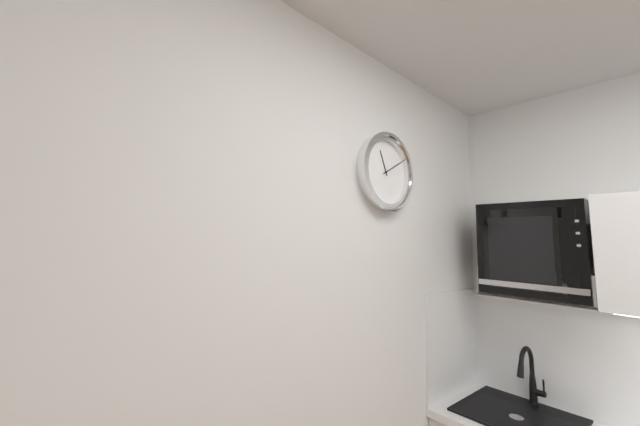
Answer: 11,10
